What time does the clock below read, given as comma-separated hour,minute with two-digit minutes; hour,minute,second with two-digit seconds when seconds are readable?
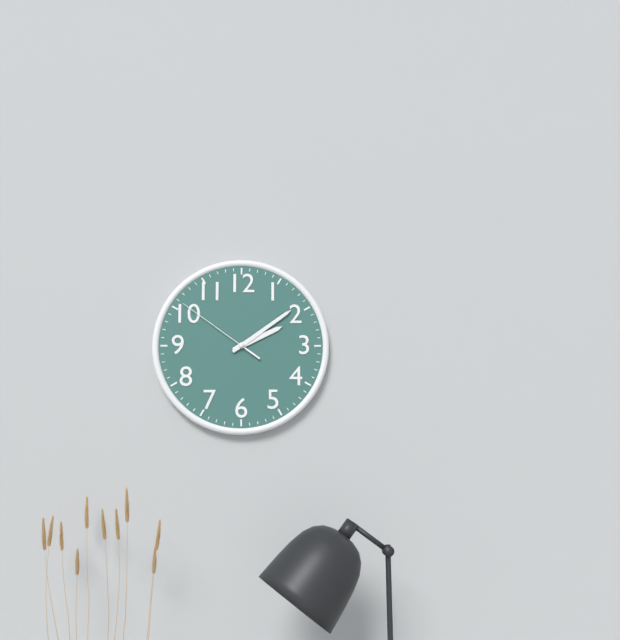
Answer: 2,09,51
